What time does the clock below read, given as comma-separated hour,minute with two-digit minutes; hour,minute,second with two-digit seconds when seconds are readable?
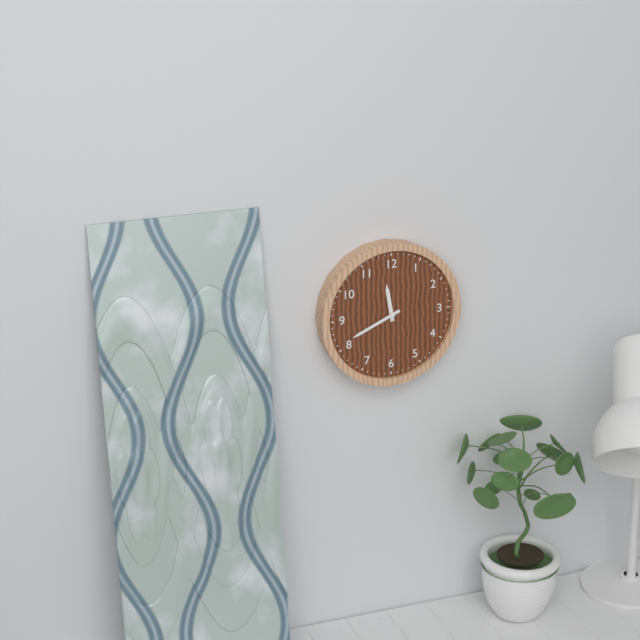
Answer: 11,41
